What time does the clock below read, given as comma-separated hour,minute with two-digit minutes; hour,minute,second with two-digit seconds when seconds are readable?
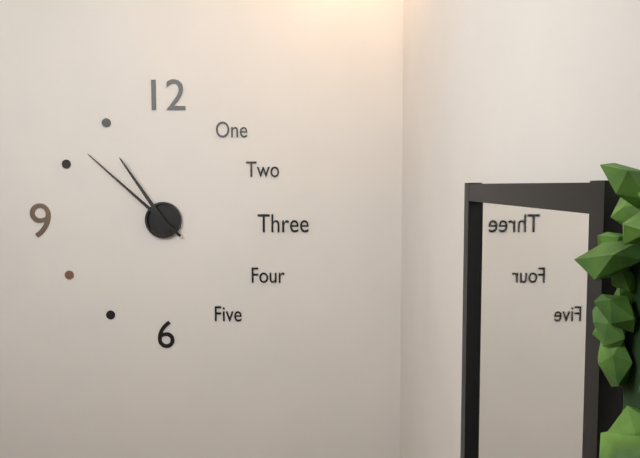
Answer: 10,52
